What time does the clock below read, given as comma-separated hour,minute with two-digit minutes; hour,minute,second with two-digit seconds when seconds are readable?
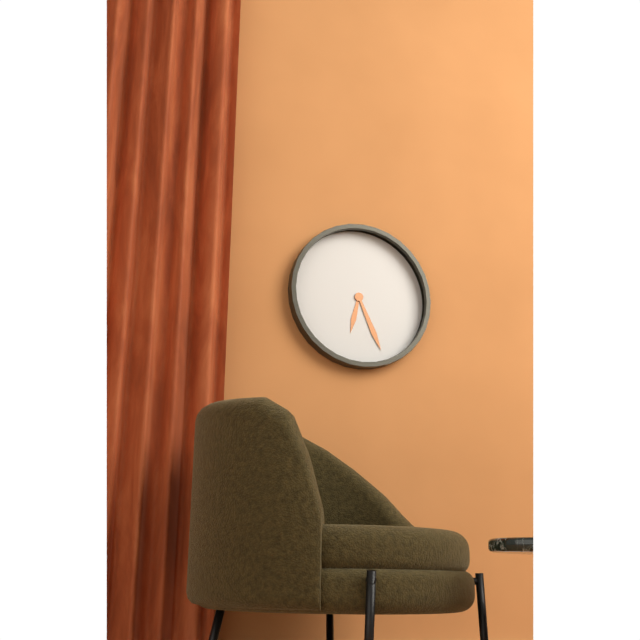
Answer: 6,26
